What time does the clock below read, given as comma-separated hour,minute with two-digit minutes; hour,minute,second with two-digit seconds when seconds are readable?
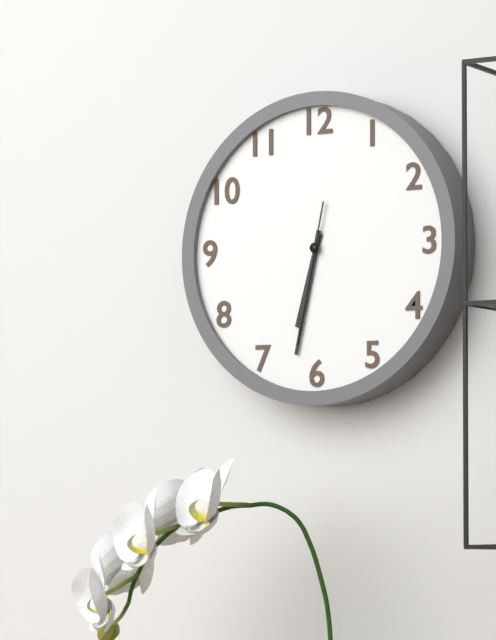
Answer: 6,32,32
